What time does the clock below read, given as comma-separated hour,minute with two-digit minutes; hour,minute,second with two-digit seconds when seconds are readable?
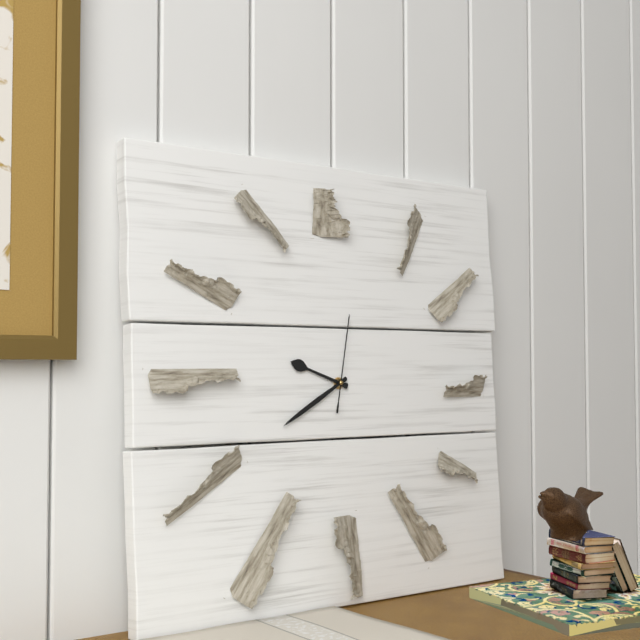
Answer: 9,40,02
